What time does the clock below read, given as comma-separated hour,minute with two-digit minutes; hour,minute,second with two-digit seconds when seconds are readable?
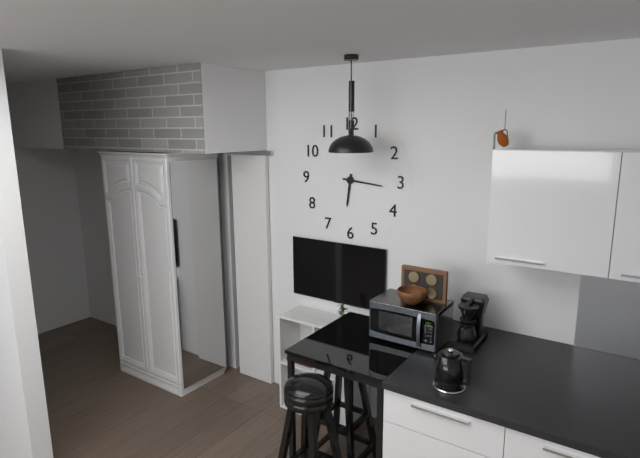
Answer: 6,16
